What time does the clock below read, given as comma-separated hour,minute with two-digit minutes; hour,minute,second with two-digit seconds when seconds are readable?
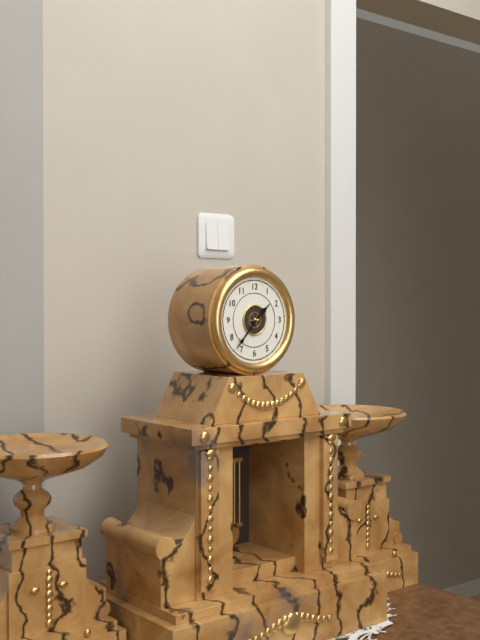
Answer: 1,37
